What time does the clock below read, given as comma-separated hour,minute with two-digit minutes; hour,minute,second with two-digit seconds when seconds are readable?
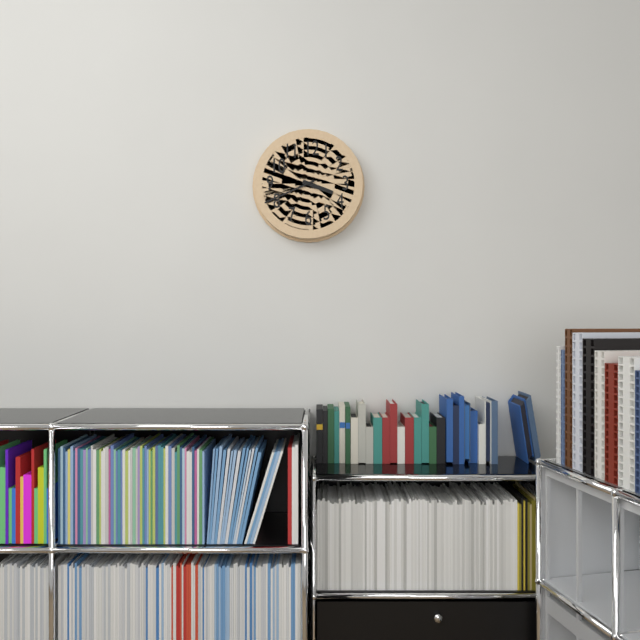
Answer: 3,41
